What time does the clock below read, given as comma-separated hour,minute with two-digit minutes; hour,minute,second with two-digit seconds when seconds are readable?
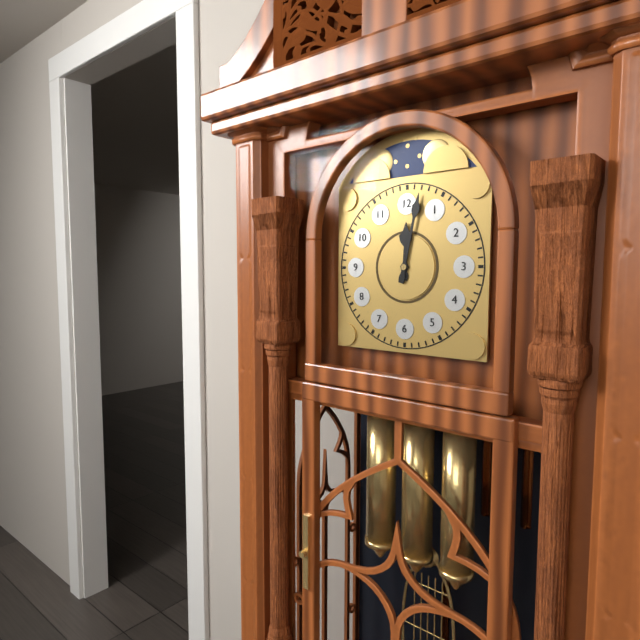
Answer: 12,02
